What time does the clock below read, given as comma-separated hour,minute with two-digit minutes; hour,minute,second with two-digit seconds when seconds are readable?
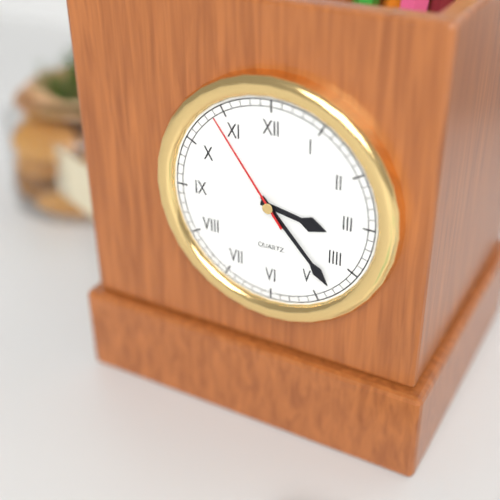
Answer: 3,23,54
